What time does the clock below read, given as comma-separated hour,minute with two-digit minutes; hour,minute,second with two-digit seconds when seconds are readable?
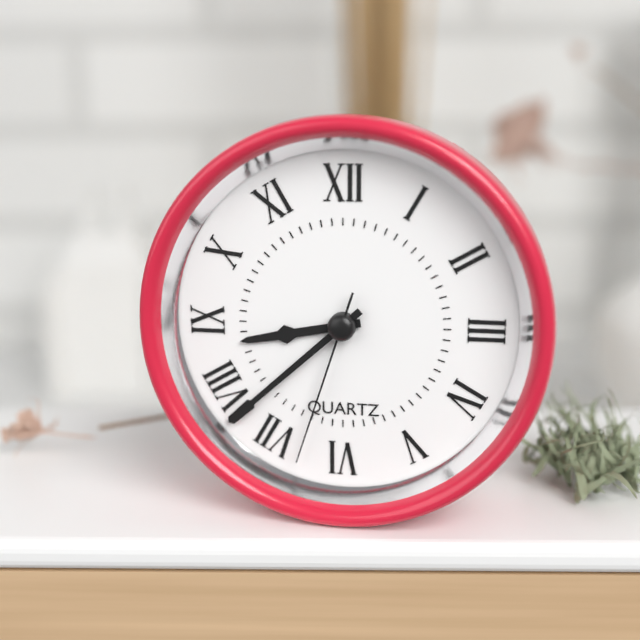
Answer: 8,38,33
